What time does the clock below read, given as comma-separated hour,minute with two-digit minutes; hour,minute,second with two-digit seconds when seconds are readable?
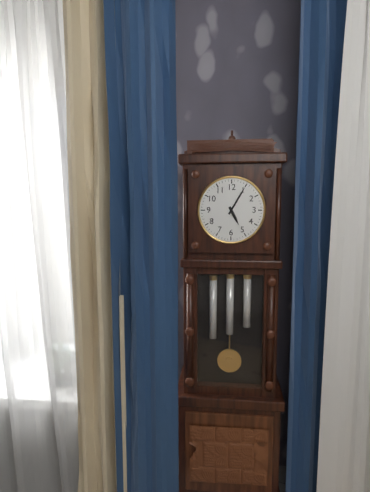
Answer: 5,05
